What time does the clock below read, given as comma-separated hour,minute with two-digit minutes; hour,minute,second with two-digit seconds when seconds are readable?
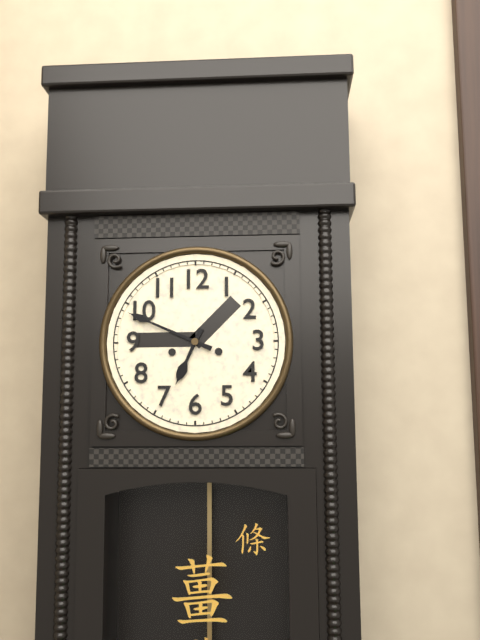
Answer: 6,49
